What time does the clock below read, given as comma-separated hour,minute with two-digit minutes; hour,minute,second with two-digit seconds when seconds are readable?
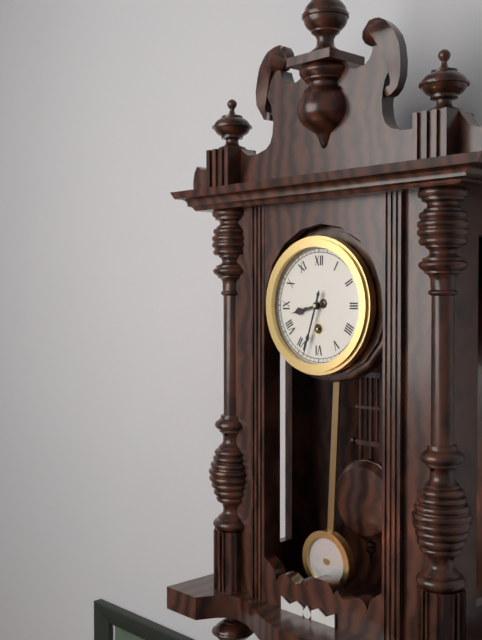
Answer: 8,33
